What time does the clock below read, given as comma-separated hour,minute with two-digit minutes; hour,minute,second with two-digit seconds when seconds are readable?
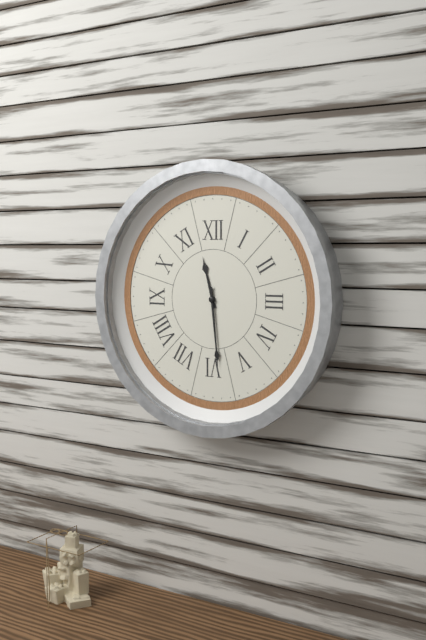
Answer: 11,29
